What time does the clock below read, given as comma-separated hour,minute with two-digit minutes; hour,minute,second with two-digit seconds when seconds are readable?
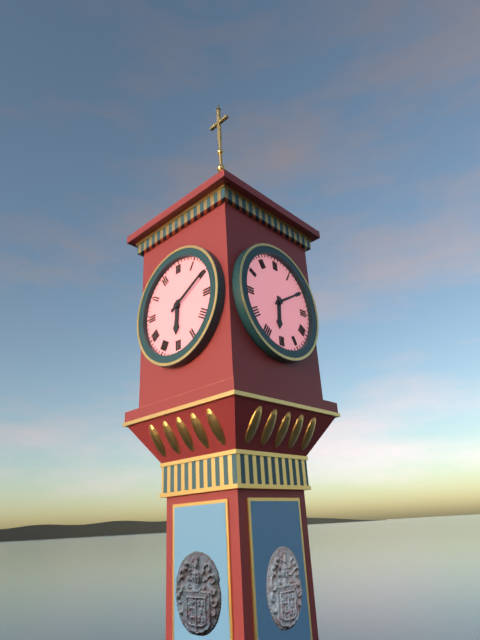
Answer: 6,10
